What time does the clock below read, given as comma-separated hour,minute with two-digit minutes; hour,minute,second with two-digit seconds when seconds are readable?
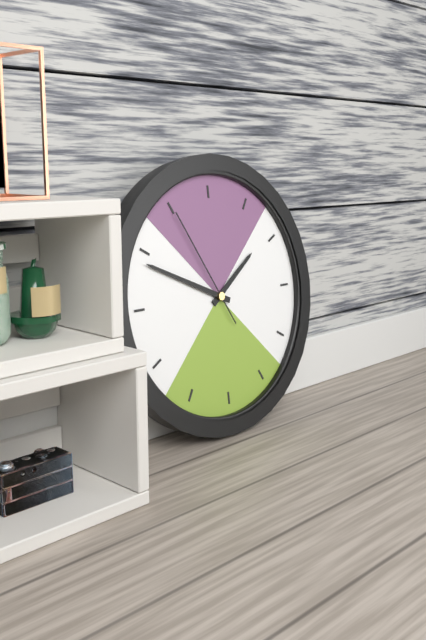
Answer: 1,49,55
